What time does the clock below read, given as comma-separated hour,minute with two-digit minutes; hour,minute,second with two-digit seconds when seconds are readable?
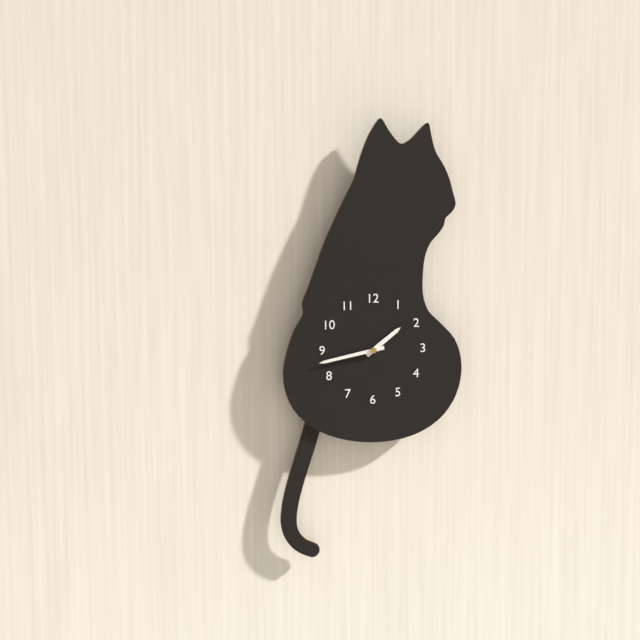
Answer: 1,43
